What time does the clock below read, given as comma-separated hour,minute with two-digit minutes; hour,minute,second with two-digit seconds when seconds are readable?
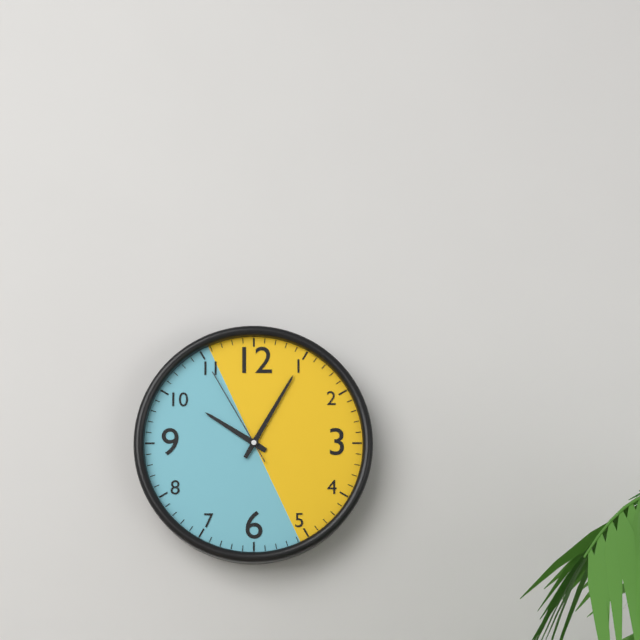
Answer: 10,05,55
